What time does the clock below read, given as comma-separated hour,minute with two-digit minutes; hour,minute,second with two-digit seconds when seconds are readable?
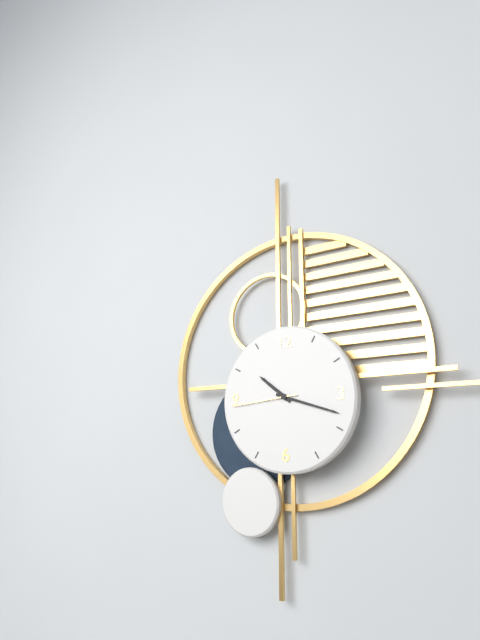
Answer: 10,18,44
